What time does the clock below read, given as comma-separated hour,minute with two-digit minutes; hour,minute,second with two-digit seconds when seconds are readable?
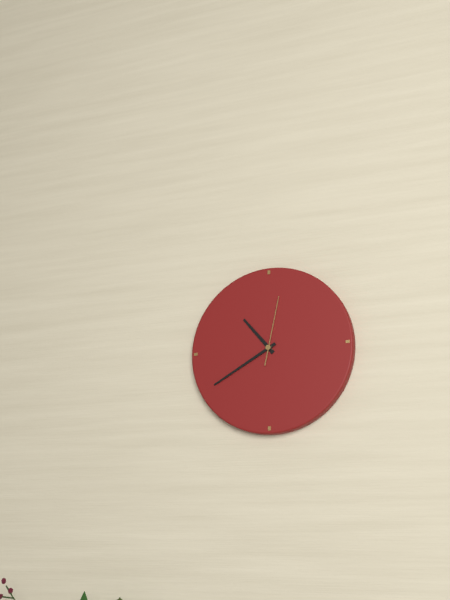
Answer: 10,40,02
